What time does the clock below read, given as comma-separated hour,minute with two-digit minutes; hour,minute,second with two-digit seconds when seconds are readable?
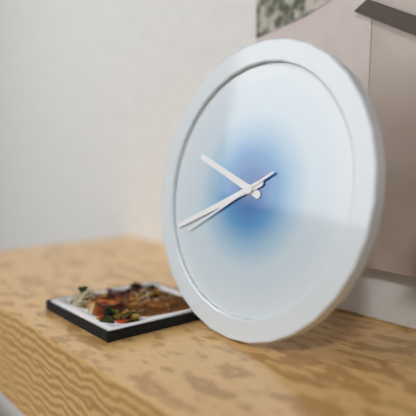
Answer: 9,41,40
